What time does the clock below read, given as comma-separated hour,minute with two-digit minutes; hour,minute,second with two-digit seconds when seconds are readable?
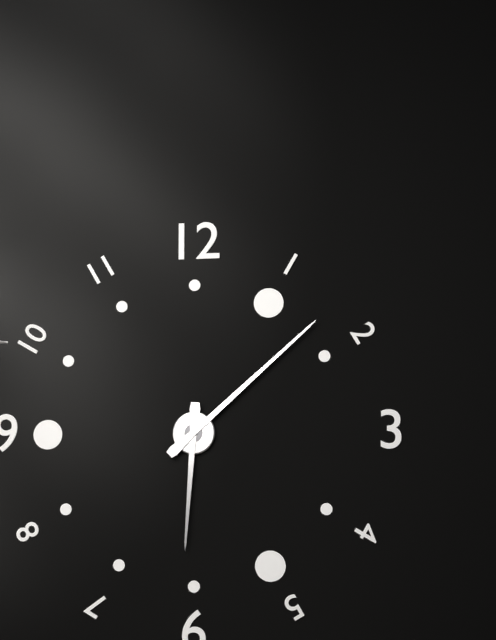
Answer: 6,08
